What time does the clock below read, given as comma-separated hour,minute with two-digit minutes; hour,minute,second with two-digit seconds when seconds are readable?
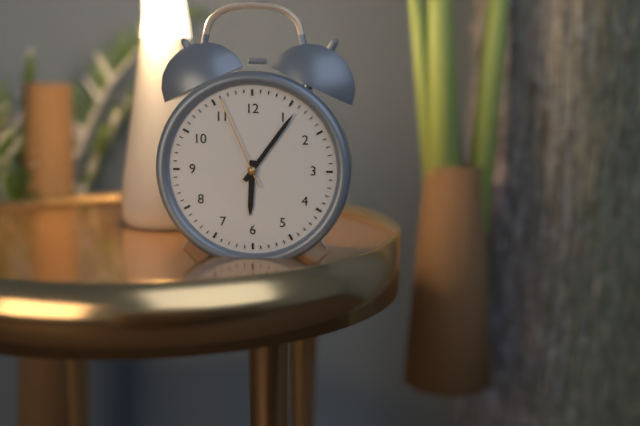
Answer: 6,06,56
